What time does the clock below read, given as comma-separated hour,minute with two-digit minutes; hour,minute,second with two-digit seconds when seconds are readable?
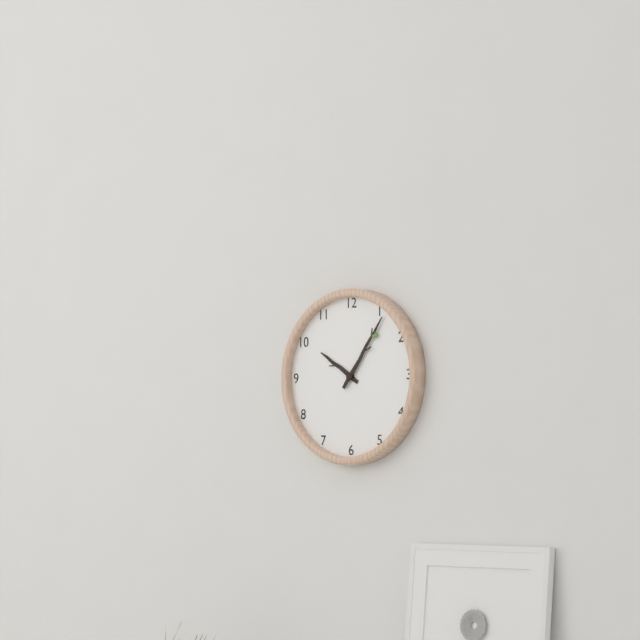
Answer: 10,06
